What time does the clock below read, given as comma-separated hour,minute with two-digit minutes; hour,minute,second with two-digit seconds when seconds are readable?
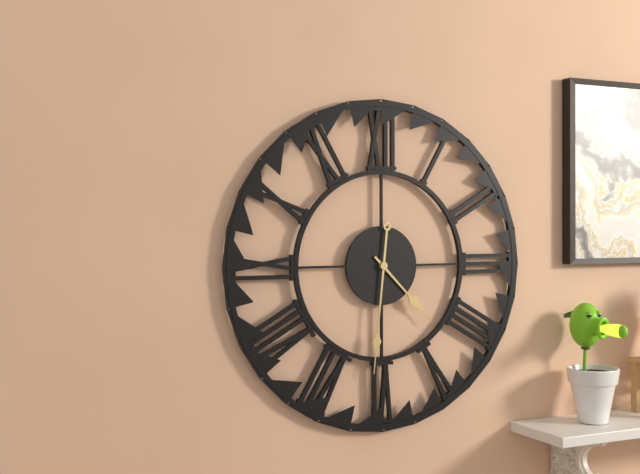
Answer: 4,31
